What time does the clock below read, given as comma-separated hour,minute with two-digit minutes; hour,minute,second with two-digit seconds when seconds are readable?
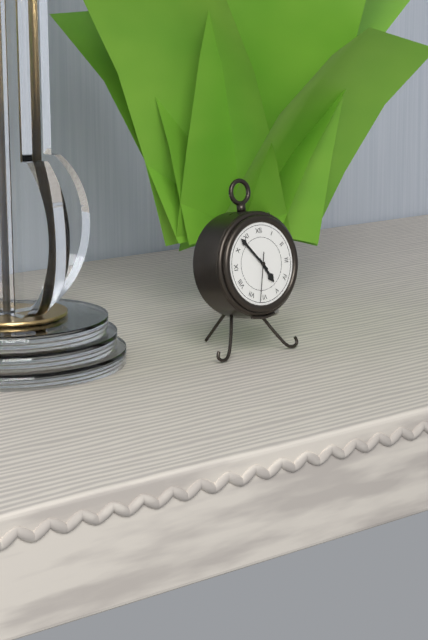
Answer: 4,53
